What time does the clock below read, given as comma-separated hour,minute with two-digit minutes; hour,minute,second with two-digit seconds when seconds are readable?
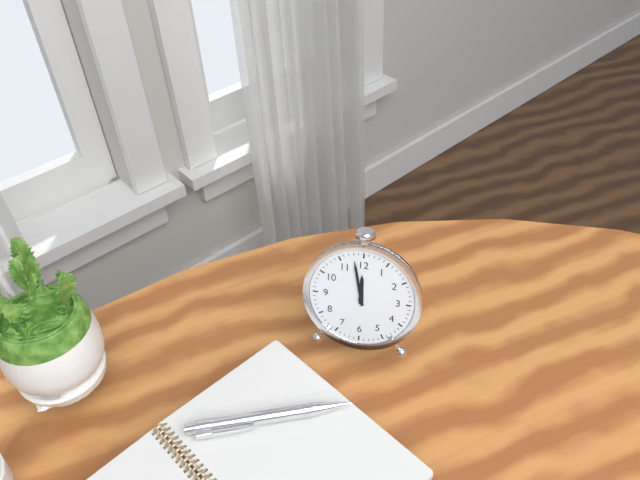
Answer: 11,58
